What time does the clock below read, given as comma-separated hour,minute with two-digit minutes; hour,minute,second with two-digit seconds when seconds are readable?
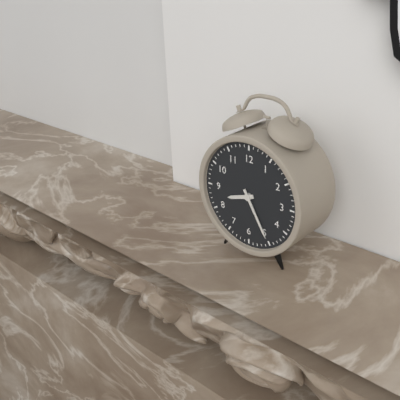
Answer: 8,25
